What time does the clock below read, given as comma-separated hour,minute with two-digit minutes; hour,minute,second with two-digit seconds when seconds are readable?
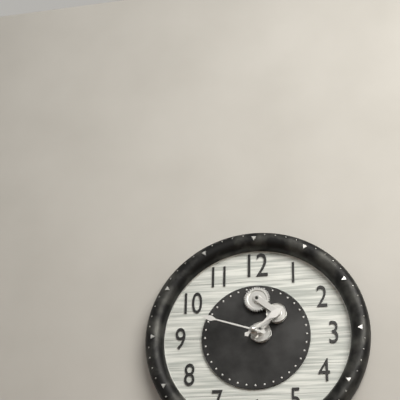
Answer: 1,48
